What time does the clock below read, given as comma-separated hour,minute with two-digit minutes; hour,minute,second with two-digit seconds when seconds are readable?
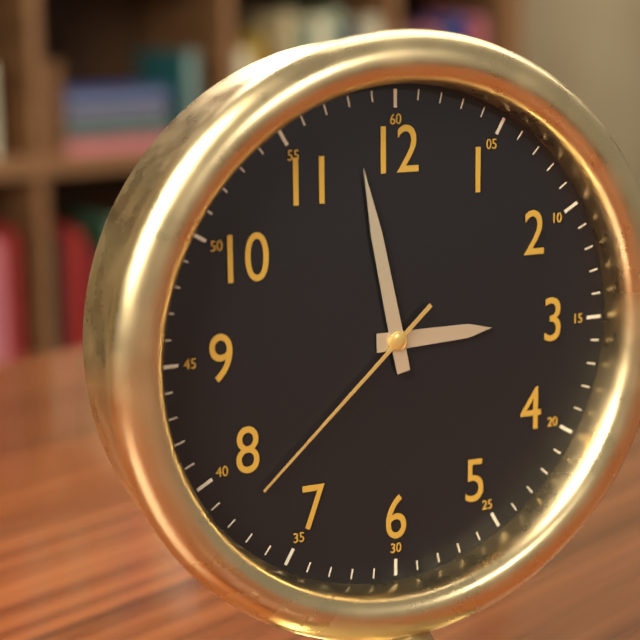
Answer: 2,58,38
